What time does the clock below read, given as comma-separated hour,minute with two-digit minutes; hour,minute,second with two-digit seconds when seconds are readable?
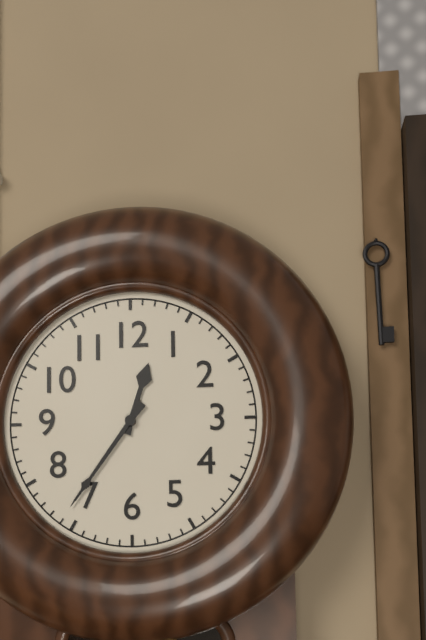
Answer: 12,36
